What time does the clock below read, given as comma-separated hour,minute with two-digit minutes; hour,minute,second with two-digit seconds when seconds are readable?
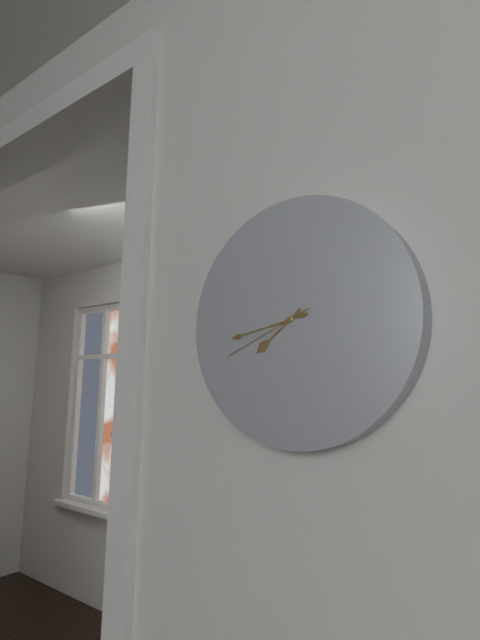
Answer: 7,43,41
